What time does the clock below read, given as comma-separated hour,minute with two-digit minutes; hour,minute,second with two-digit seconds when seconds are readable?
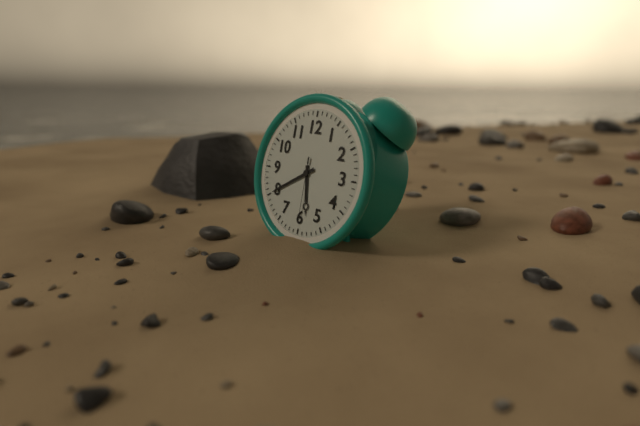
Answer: 5,40,30
